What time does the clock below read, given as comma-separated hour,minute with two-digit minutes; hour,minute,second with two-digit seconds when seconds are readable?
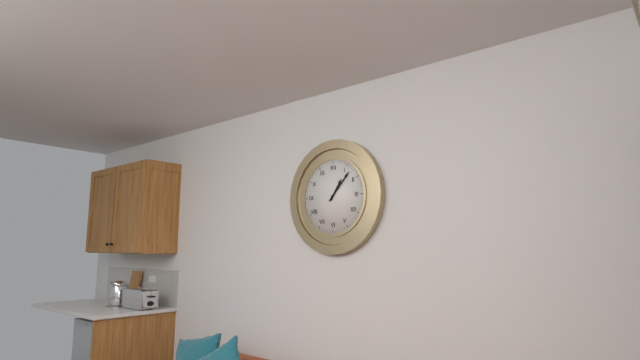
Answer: 1,07
